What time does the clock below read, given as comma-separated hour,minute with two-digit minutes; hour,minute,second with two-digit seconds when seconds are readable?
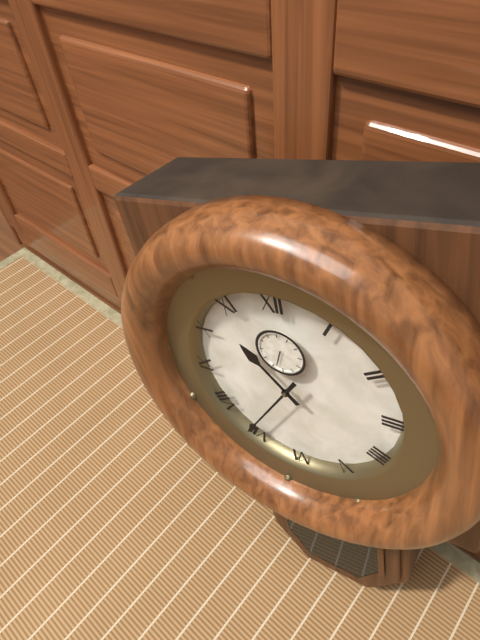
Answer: 10,36
